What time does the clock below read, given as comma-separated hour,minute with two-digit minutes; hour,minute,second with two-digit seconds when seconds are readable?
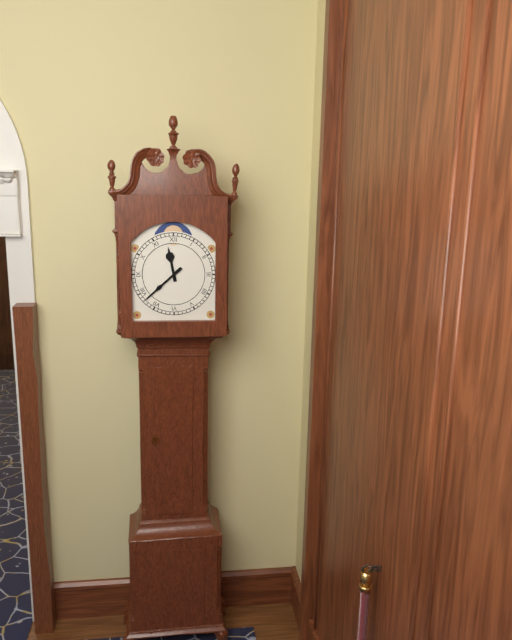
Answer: 11,38
